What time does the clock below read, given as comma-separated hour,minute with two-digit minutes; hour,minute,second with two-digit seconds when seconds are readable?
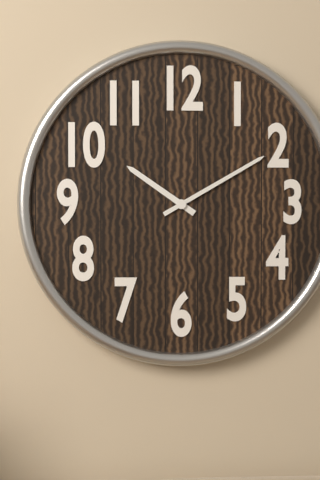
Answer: 10,10
